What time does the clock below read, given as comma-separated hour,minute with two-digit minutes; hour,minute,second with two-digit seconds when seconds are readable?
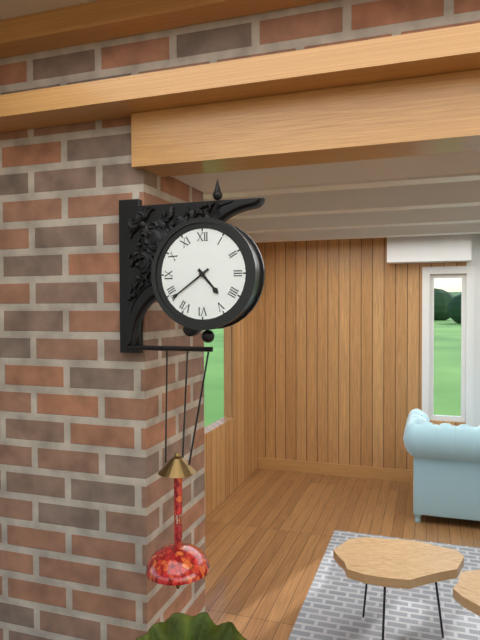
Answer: 4,39
